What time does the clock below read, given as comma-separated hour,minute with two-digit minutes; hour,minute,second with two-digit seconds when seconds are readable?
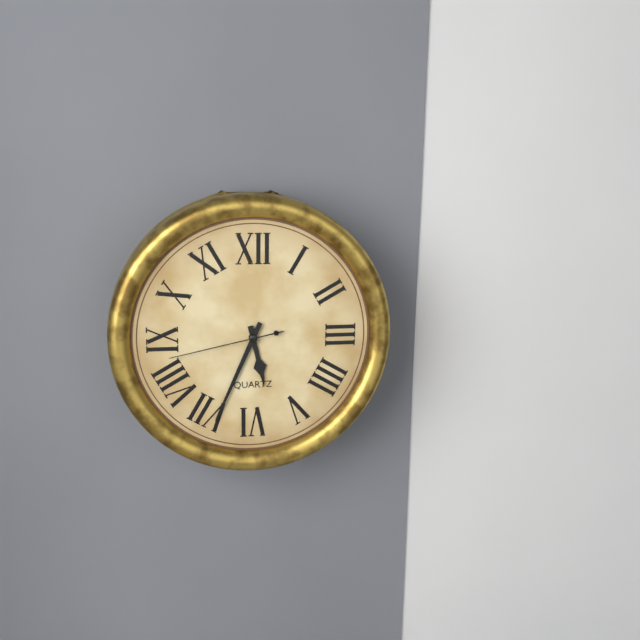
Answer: 5,34,43
